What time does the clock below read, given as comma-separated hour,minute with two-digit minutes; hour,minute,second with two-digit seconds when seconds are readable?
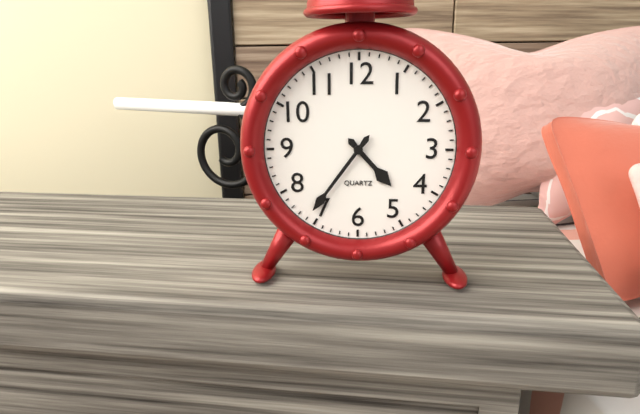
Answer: 4,36
